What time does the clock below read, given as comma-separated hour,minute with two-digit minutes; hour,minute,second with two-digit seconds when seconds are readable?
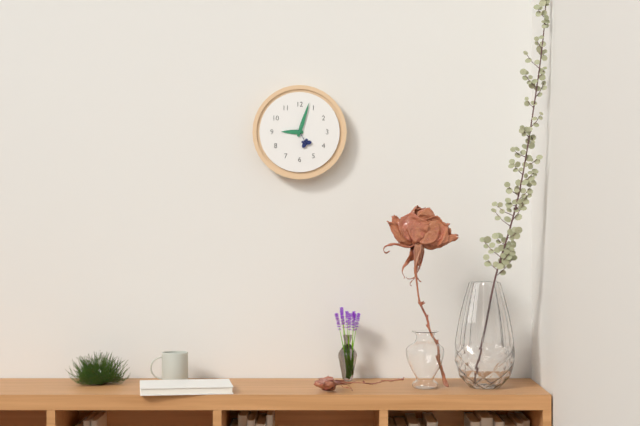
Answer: 9,03
